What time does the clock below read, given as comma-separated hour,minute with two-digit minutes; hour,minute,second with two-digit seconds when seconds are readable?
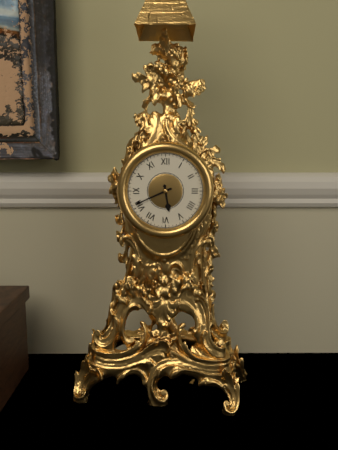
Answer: 5,41
